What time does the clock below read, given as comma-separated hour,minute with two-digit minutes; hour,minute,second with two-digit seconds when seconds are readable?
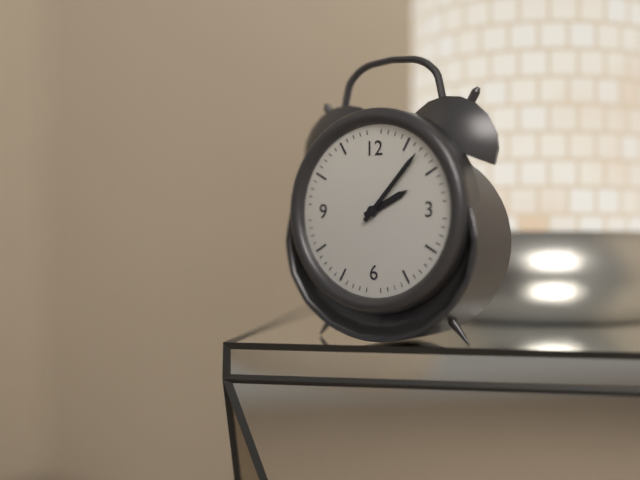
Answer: 2,07
